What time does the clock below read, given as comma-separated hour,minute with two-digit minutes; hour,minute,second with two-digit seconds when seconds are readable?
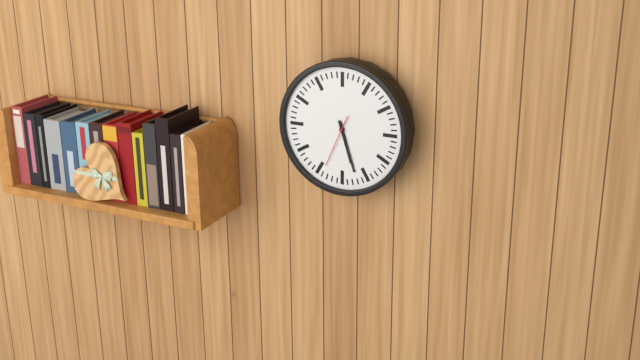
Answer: 5,27
